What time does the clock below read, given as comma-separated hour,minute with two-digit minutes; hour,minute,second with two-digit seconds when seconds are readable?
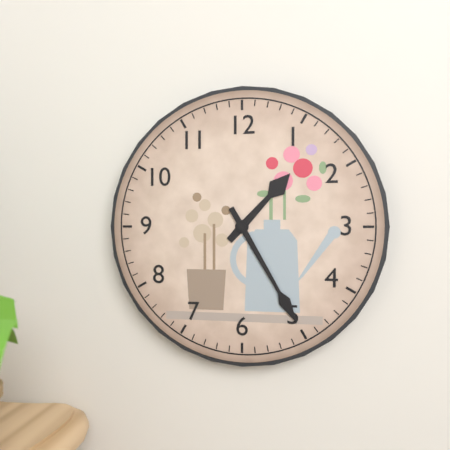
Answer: 1,25
